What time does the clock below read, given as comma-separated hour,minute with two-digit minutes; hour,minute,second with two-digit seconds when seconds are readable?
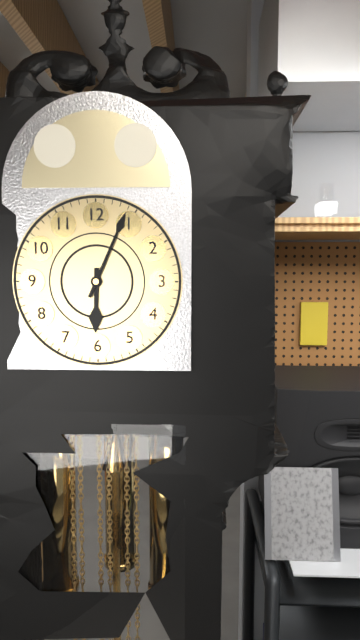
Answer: 6,04
